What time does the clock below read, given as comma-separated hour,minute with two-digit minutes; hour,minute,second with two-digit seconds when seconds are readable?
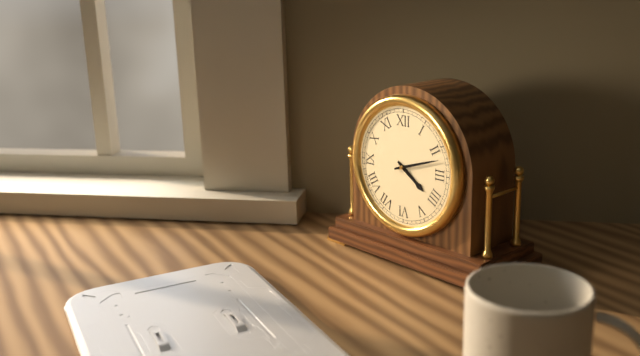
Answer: 4,12
